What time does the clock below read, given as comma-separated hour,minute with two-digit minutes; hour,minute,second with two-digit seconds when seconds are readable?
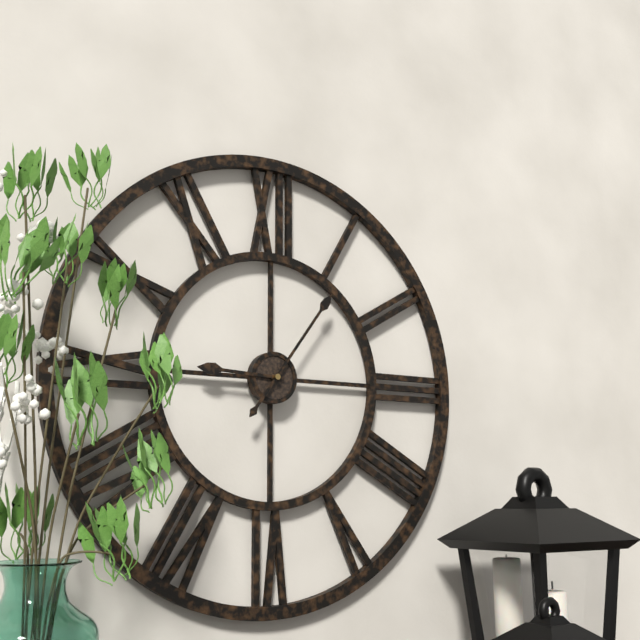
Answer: 9,06
